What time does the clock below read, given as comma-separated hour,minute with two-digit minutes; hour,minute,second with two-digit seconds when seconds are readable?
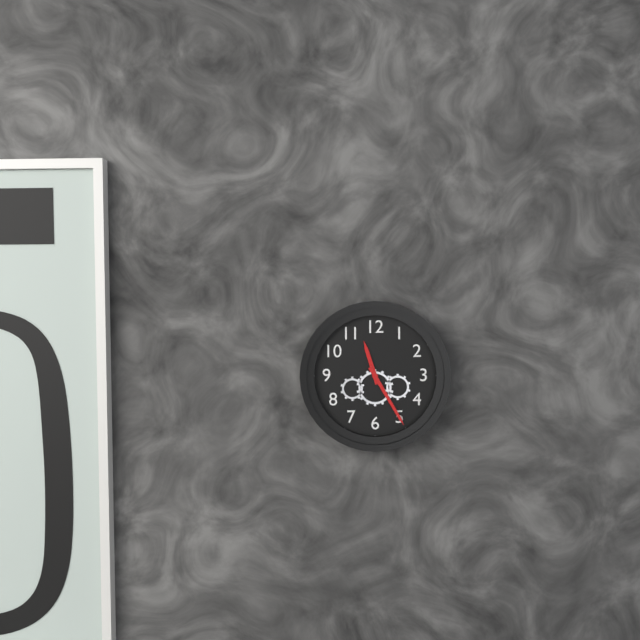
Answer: 11,25
